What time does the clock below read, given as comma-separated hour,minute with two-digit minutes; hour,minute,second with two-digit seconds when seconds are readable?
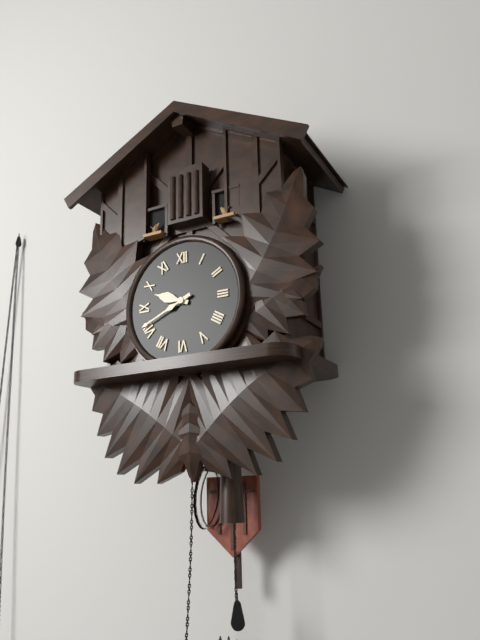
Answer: 9,41
